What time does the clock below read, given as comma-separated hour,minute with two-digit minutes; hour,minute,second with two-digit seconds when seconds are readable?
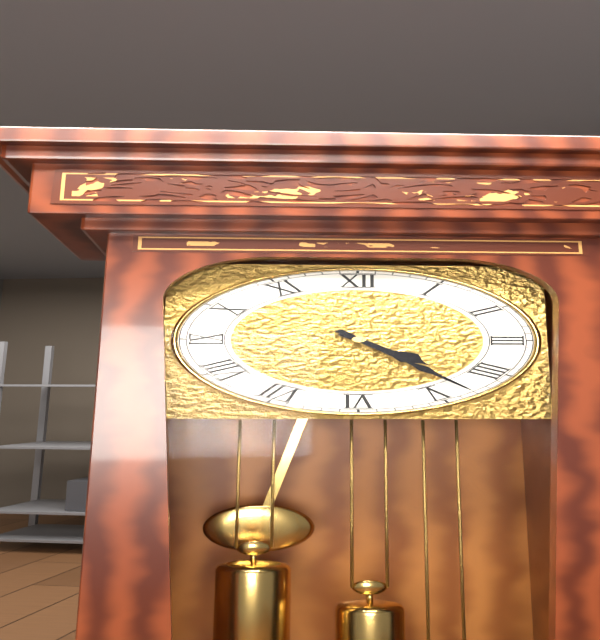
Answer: 4,23
